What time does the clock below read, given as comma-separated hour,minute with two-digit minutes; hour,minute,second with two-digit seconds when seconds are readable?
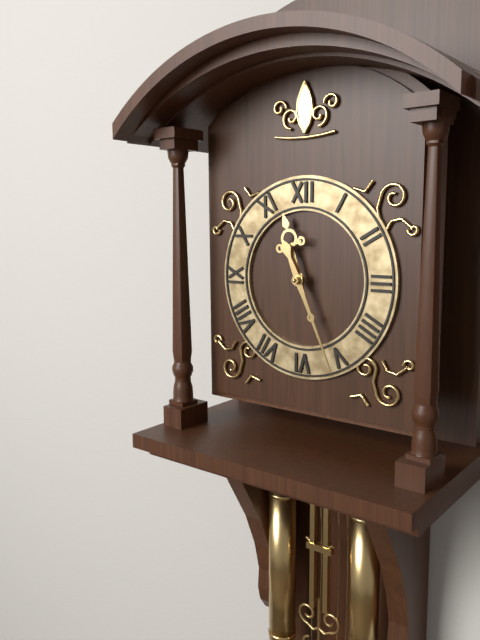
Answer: 11,26
